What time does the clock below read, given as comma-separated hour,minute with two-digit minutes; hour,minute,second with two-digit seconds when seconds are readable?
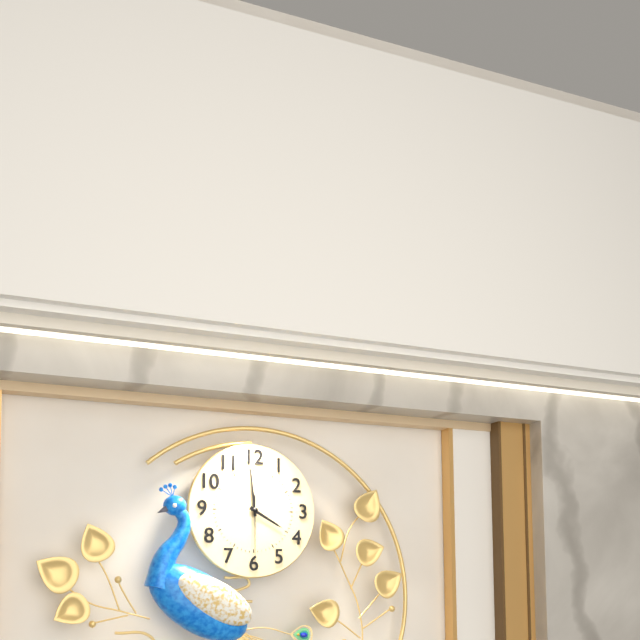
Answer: 3,59,30
